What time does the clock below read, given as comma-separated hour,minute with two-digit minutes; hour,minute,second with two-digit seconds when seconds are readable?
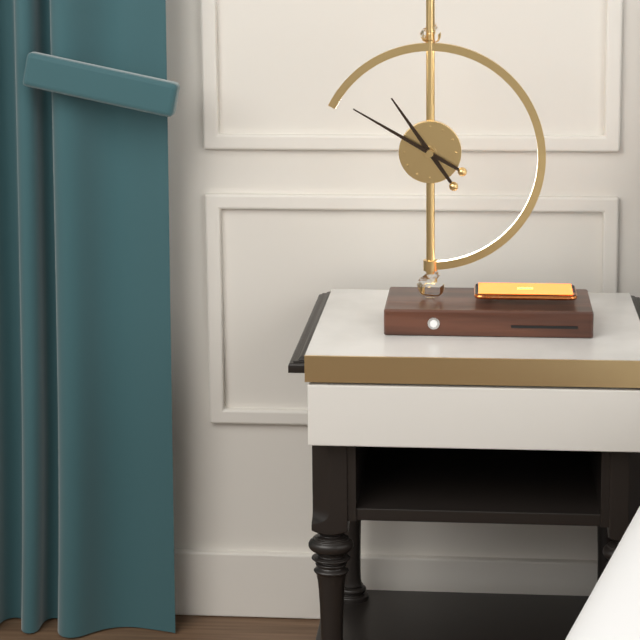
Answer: 10,50
